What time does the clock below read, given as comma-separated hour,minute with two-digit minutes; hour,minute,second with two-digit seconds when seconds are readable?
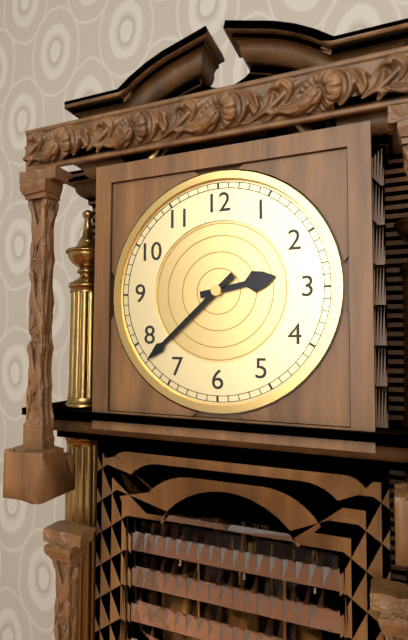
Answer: 2,38
